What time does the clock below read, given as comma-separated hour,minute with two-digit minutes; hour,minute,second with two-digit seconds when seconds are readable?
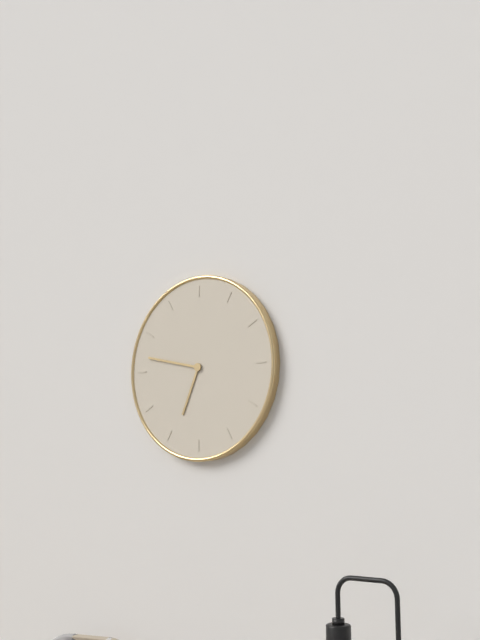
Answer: 6,47
